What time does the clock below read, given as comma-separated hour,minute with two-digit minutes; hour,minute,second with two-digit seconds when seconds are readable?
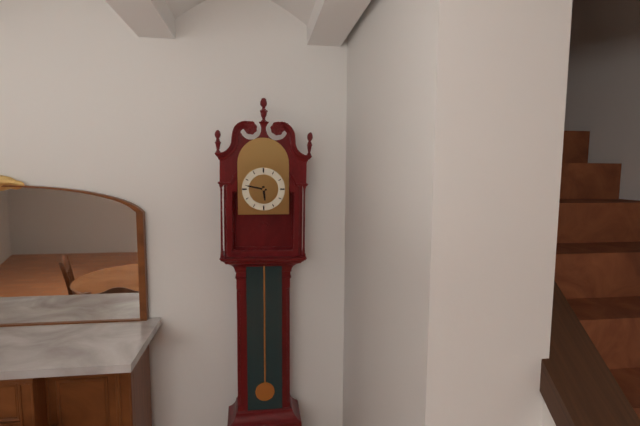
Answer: 5,47
